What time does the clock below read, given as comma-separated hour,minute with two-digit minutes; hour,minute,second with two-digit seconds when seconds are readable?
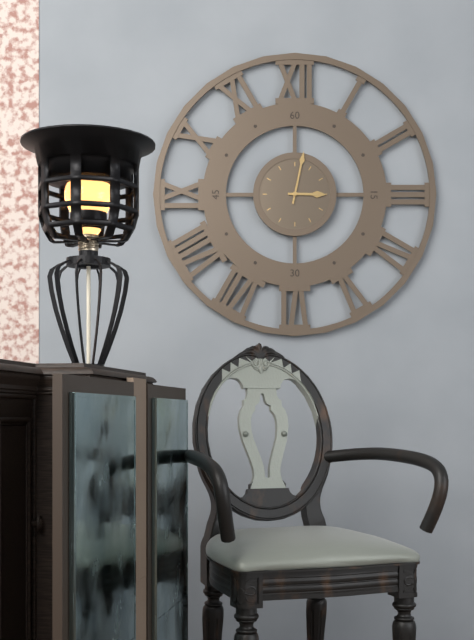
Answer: 3,02
